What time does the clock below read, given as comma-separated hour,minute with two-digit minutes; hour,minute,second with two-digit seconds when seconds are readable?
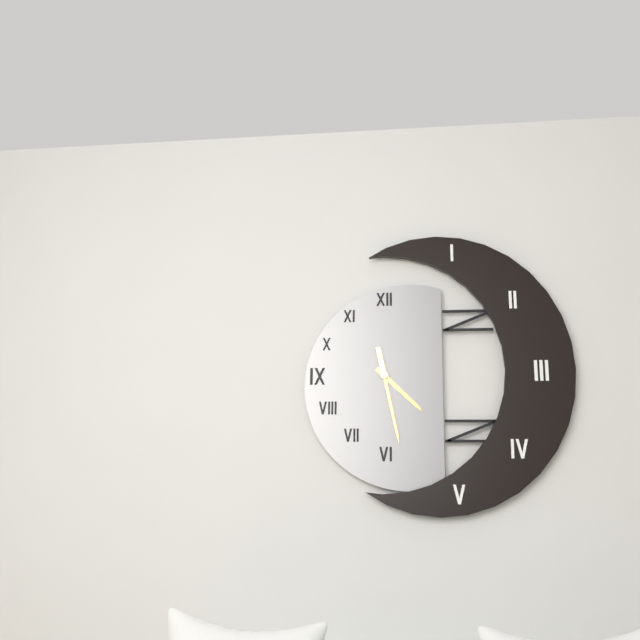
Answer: 4,28,28
